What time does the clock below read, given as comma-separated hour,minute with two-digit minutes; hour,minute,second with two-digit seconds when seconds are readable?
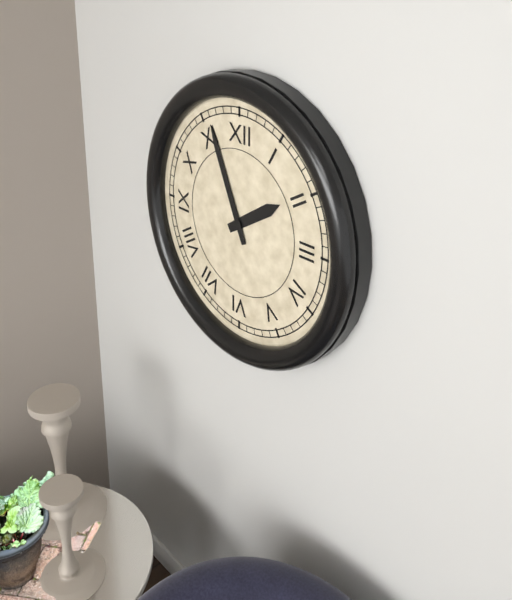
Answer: 1,56
